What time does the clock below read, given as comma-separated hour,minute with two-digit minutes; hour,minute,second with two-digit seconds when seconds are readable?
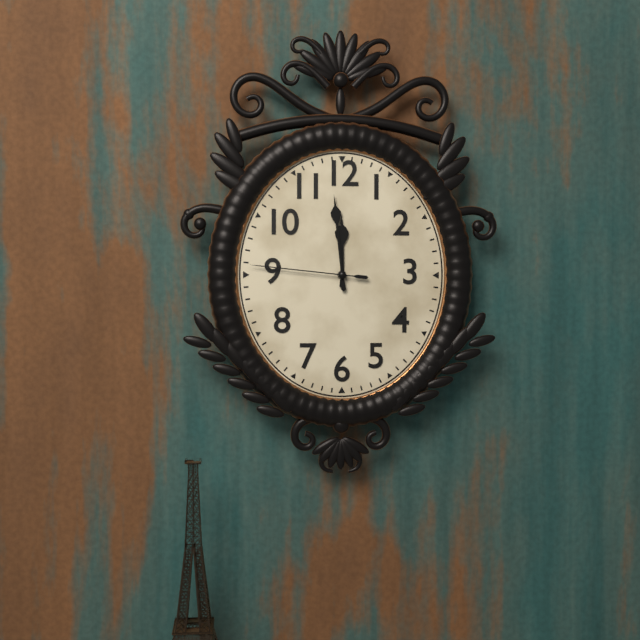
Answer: 11,59,46
